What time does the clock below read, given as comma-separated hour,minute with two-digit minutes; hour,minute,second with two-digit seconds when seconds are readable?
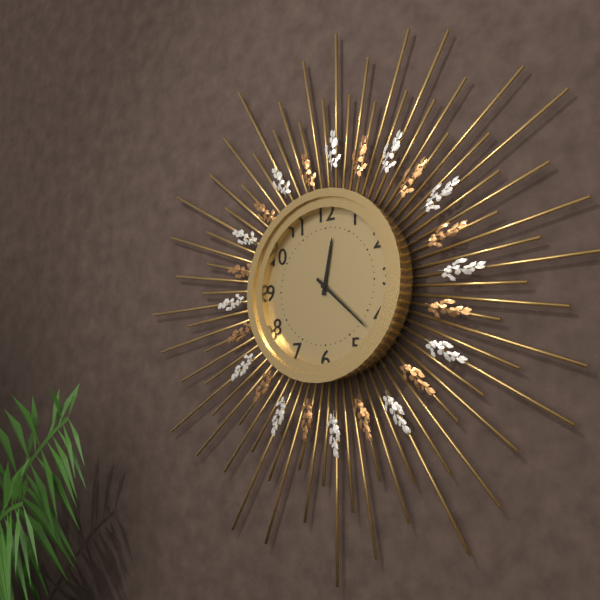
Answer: 12,22
